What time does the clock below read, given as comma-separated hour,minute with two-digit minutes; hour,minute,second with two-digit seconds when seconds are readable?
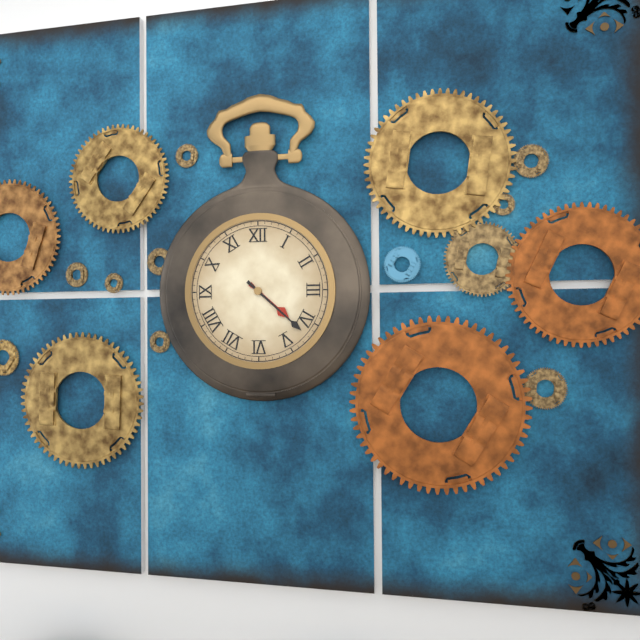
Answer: 4,22
